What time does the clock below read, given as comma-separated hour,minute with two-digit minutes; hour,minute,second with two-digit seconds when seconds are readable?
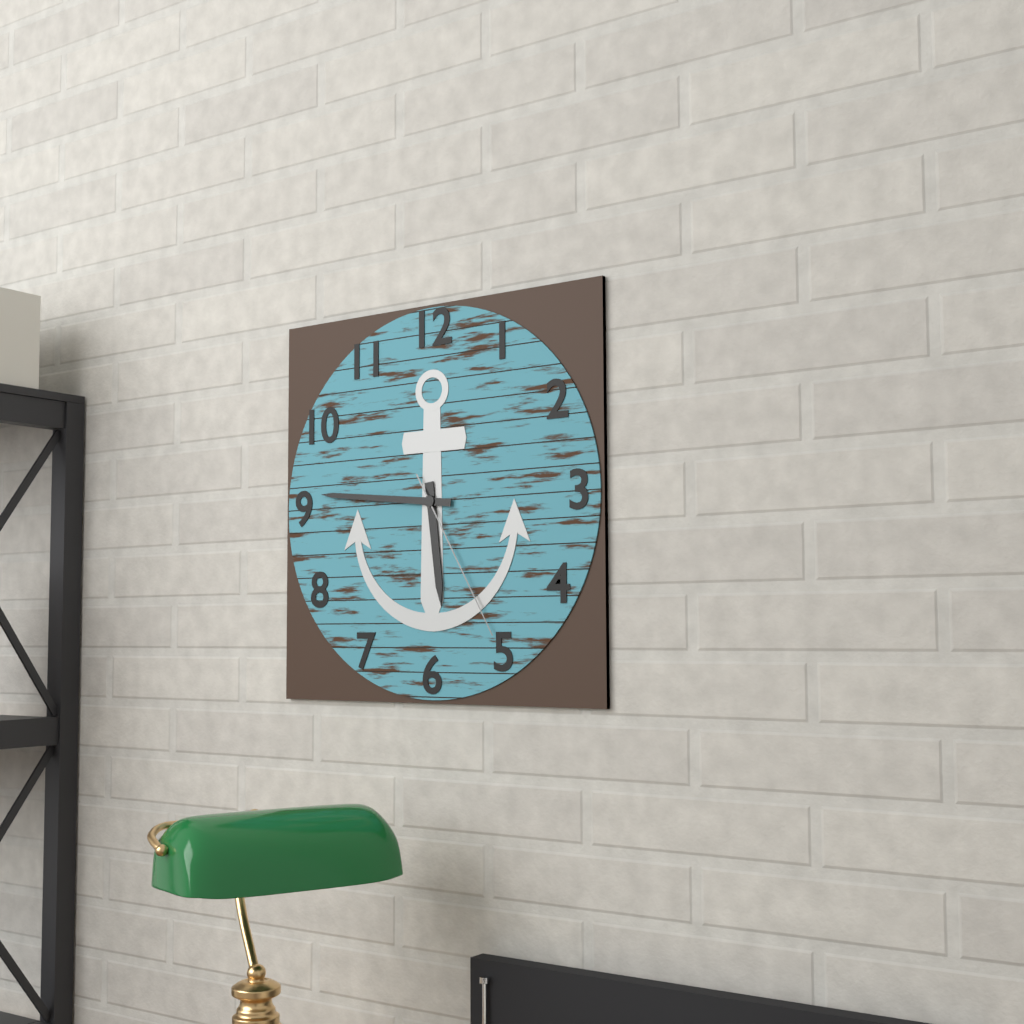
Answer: 5,46,25
